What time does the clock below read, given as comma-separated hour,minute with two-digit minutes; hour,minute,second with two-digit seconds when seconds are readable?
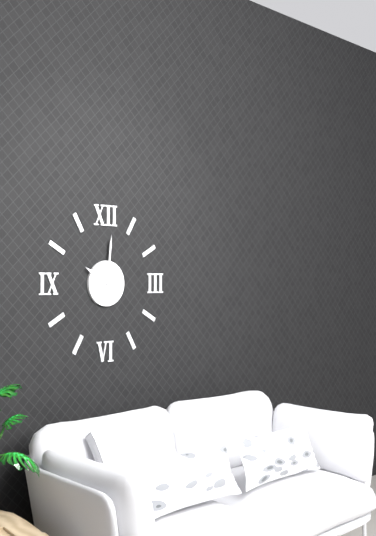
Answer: 10,01
